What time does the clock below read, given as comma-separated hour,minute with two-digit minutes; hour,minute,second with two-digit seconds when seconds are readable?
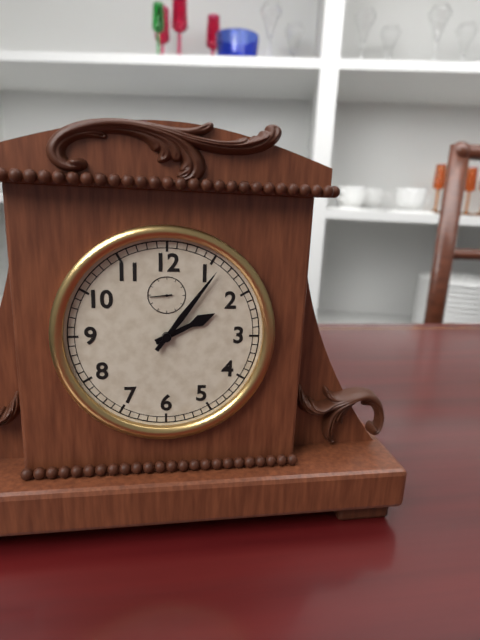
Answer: 2,06
